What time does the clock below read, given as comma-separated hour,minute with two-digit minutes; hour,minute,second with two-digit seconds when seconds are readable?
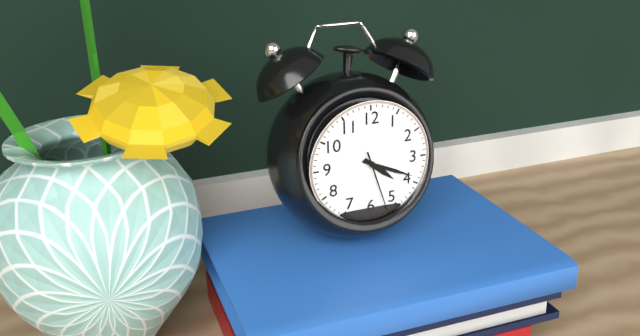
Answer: 4,19,27
